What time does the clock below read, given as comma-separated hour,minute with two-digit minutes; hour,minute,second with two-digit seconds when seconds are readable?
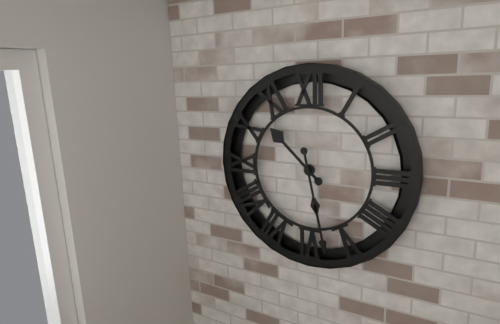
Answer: 10,28
